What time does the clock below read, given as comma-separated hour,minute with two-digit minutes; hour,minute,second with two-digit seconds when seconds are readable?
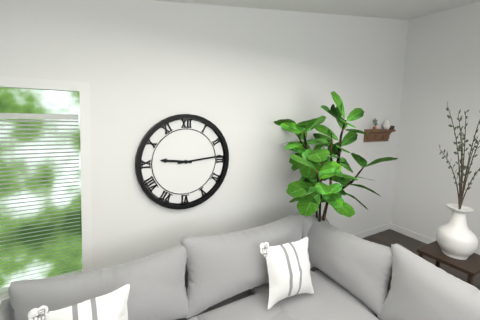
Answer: 9,14
